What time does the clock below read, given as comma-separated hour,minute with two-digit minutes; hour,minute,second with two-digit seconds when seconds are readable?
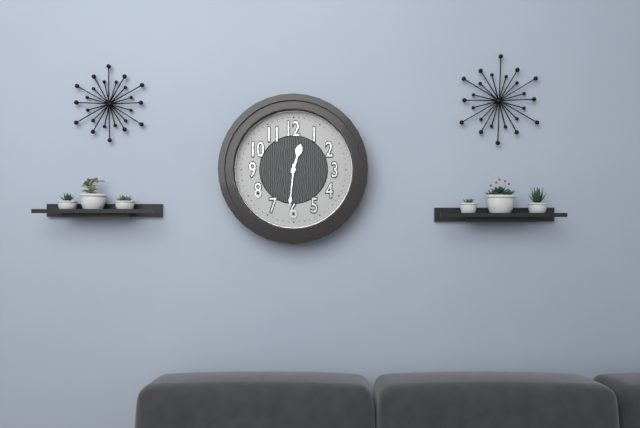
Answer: 12,31
